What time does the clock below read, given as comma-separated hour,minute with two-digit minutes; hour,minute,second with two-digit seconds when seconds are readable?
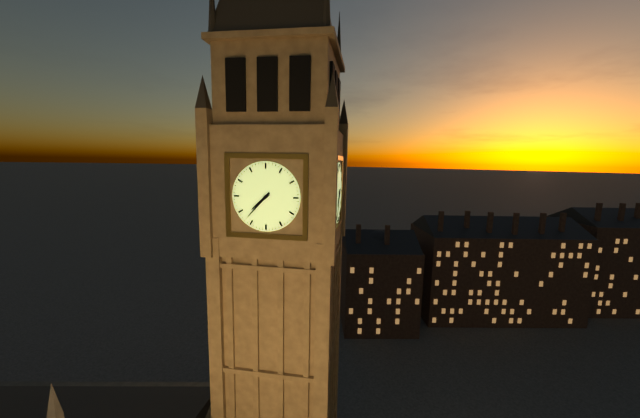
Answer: 7,37
